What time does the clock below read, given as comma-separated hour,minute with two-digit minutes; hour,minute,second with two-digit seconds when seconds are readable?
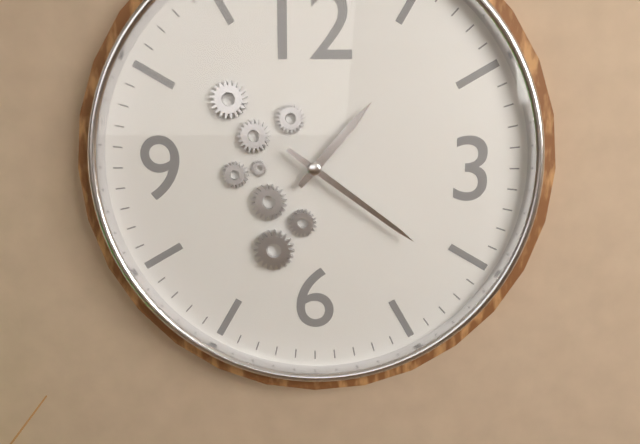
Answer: 1,21
